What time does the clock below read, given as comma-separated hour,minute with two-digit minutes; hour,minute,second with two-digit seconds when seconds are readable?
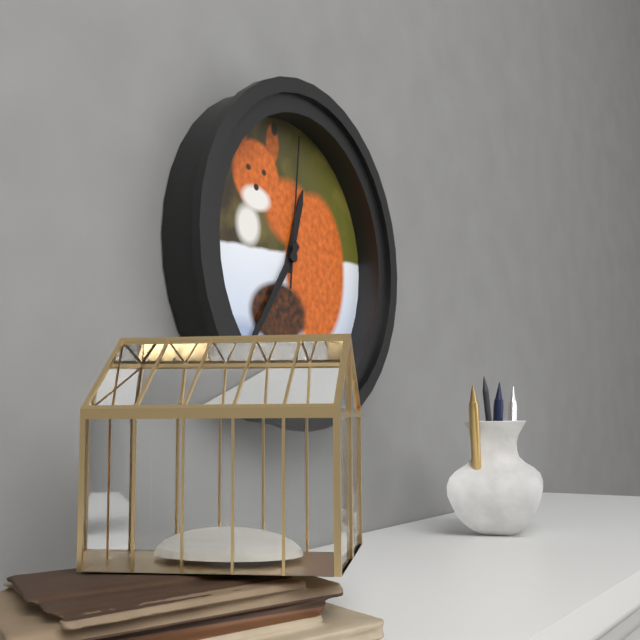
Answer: 12,36,01
